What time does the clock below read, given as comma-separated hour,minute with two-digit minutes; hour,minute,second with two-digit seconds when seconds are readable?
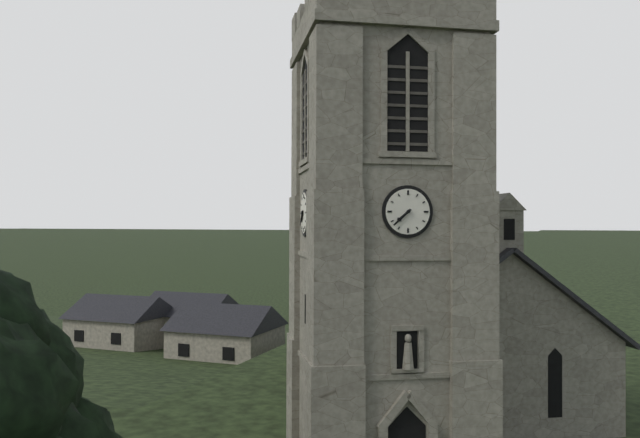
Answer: 7,38
